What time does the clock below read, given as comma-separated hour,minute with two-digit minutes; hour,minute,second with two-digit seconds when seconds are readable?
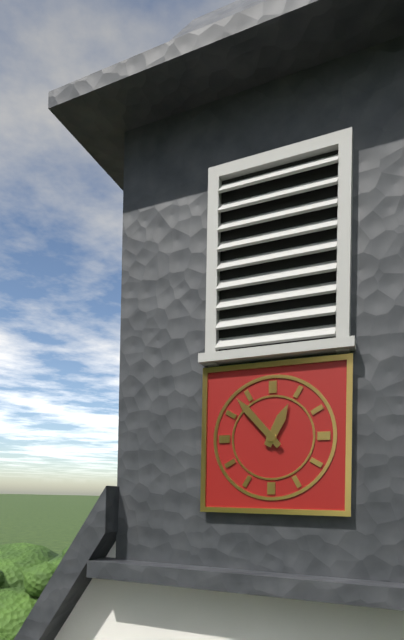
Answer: 12,53
